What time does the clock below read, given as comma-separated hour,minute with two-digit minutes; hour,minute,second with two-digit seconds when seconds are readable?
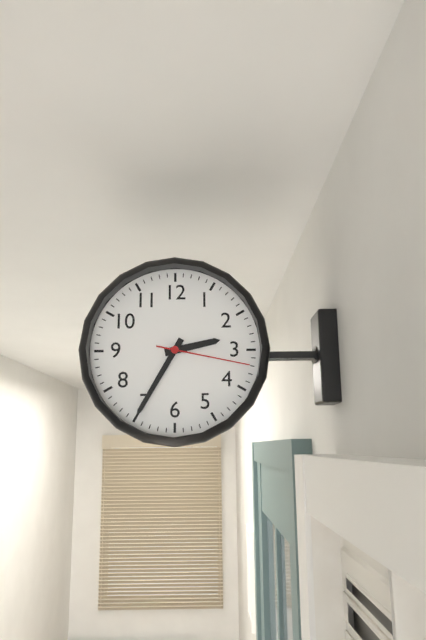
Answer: 2,35,17
